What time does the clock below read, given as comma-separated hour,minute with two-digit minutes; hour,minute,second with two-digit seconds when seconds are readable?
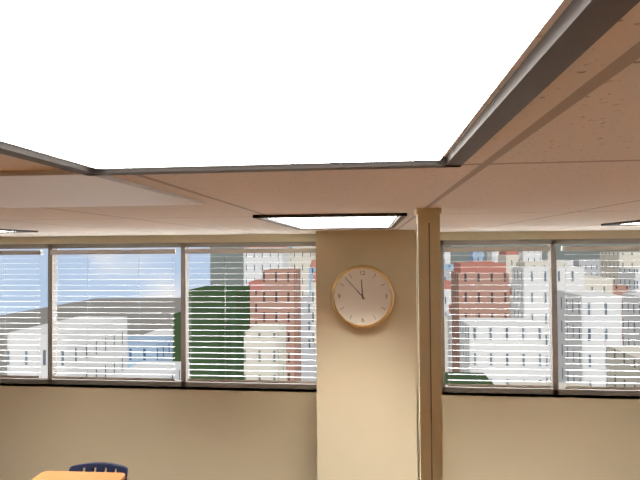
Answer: 11,53
